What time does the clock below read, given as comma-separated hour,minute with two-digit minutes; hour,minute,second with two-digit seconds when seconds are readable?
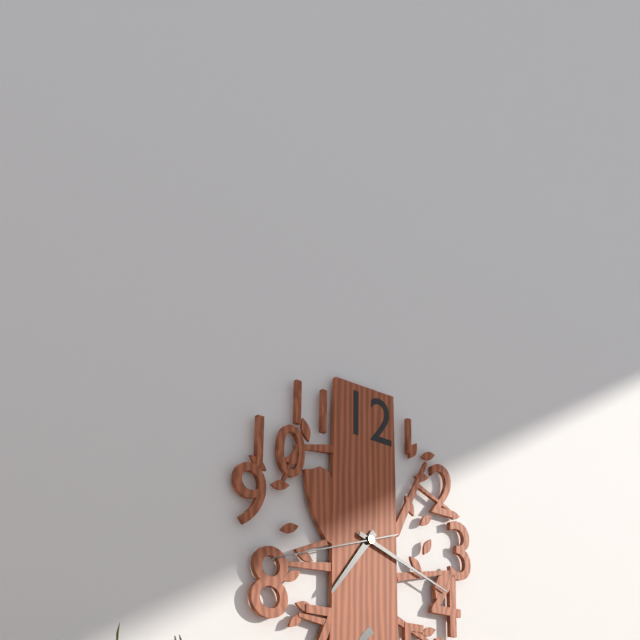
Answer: 7,18,42
